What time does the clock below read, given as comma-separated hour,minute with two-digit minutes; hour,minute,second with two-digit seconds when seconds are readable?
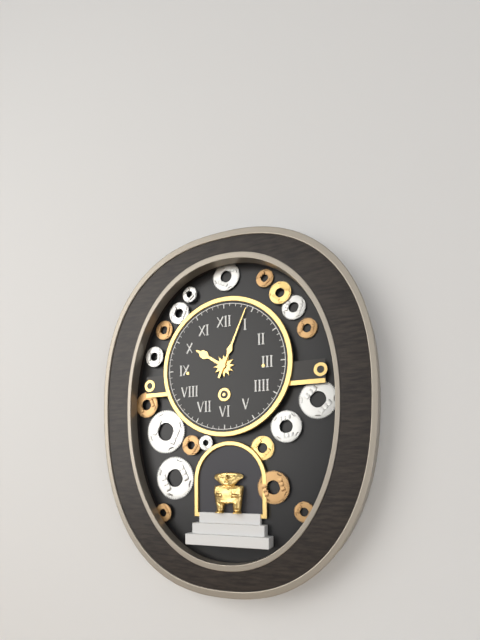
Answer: 10,04
